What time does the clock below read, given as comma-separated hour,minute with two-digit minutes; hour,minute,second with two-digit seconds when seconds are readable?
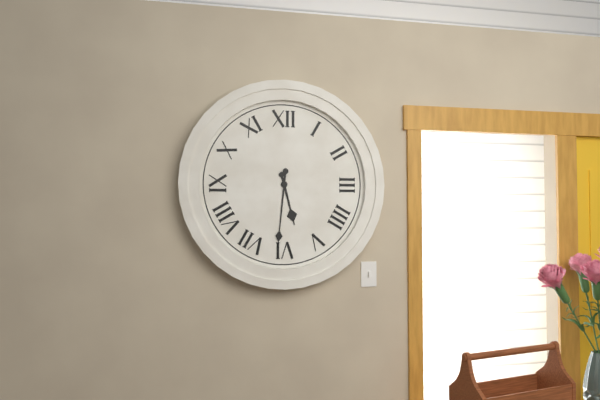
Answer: 5,31
